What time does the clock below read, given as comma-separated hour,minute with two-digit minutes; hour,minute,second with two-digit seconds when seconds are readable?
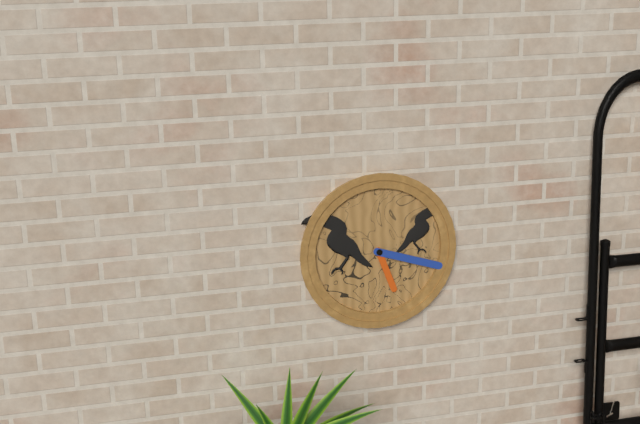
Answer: 5,18
